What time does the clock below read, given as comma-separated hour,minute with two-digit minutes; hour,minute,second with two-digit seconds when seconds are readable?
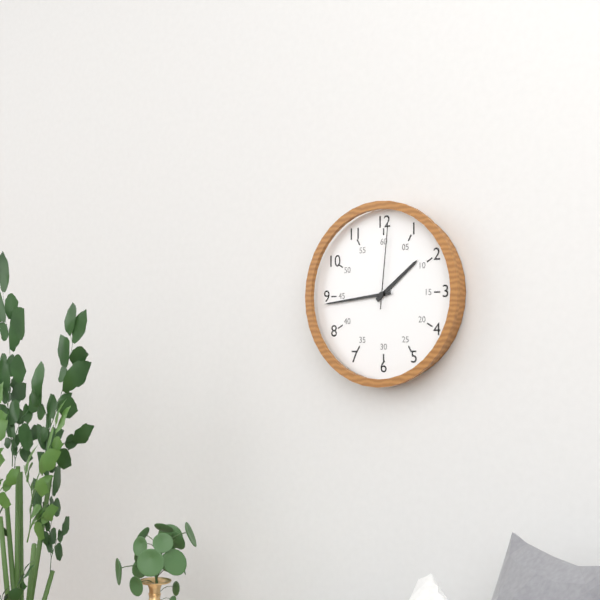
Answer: 1,44,01
